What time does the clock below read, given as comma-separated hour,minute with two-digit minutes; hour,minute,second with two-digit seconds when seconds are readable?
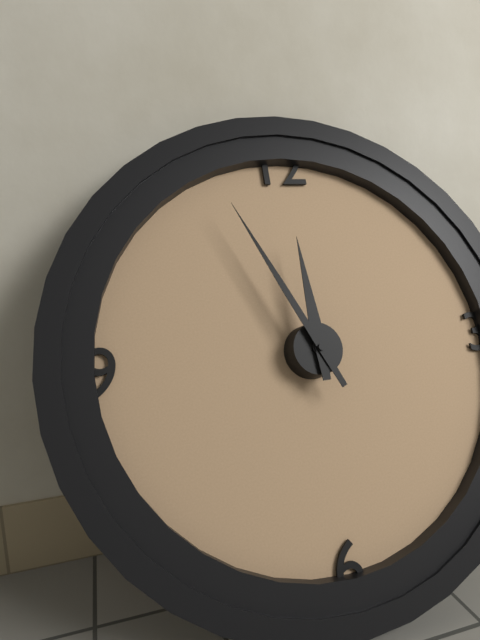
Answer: 11,56
